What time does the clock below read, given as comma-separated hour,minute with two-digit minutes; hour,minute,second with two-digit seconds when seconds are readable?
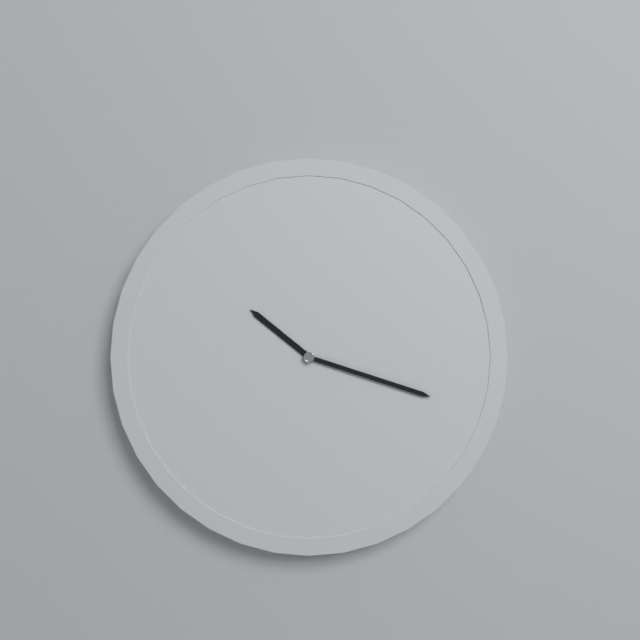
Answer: 10,18
